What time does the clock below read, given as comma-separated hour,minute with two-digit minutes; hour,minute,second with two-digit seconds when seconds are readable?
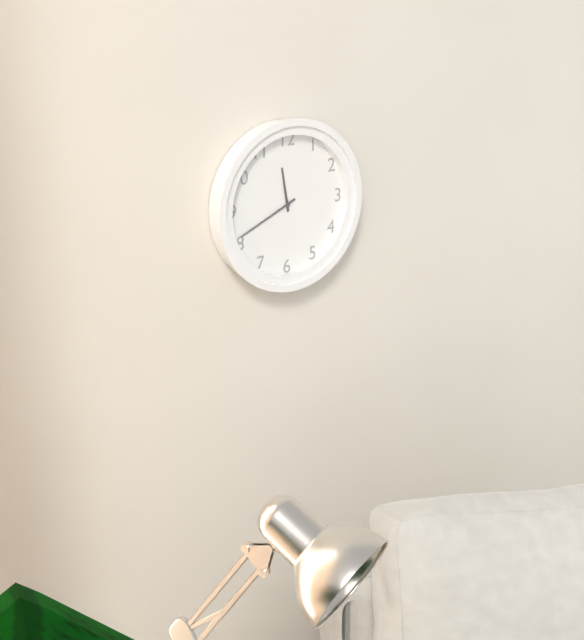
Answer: 11,41
